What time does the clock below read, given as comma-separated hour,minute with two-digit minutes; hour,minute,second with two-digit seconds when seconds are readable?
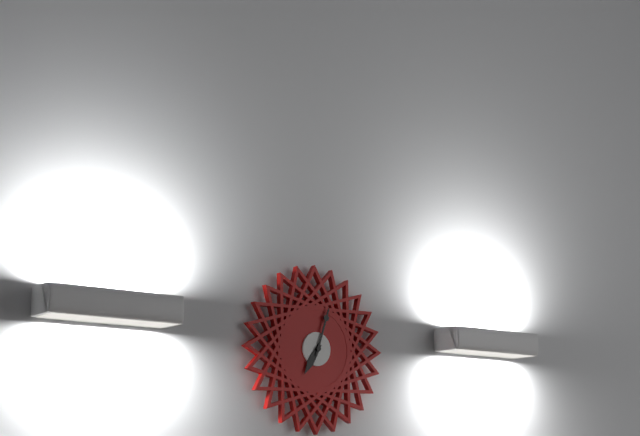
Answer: 7,03
